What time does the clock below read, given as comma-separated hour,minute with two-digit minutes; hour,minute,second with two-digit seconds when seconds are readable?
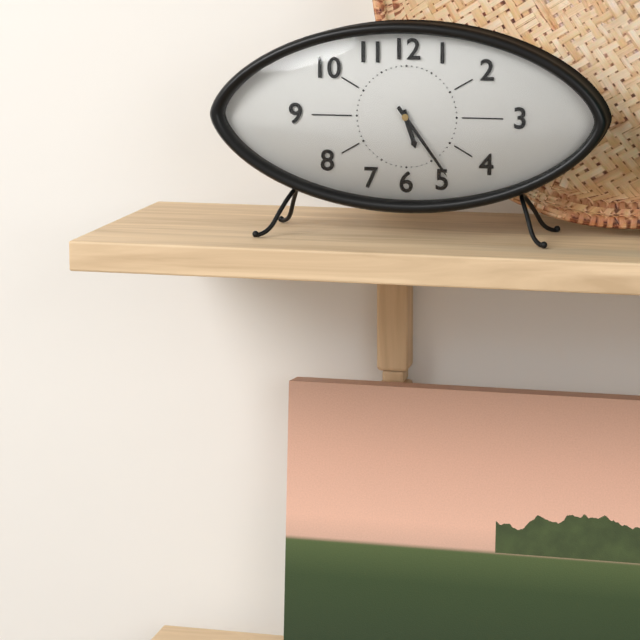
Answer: 5,24
